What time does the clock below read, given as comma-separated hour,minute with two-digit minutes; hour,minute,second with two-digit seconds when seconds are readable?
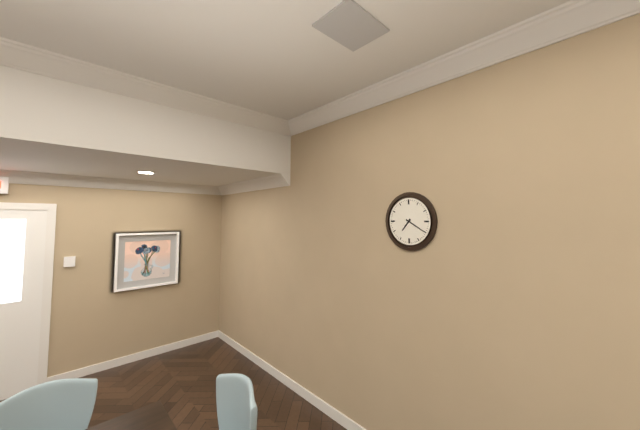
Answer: 7,20
